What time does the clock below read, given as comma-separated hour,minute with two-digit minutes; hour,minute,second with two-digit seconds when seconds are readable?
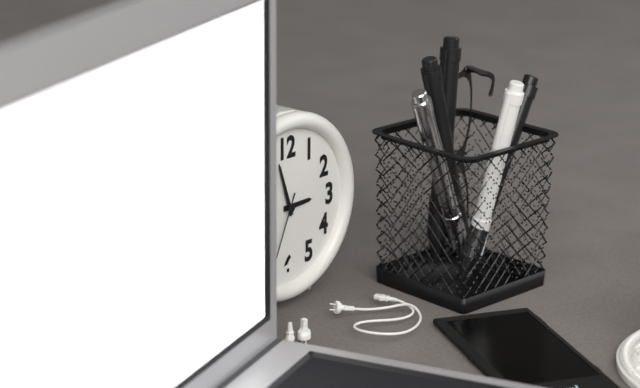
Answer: 2,57,34
